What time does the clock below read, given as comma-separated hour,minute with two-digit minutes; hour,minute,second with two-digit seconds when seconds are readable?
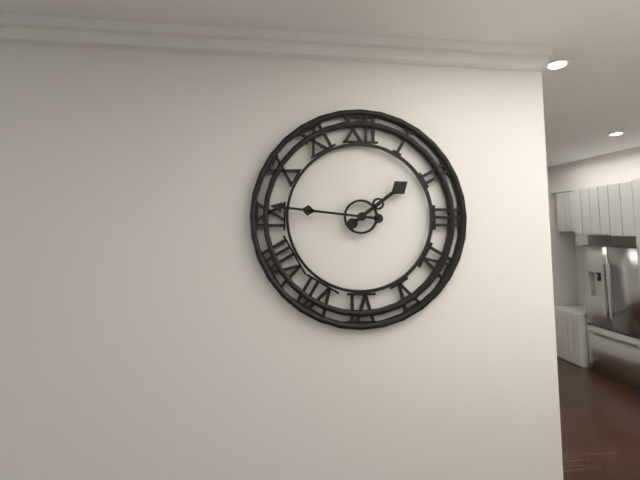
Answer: 1,46
